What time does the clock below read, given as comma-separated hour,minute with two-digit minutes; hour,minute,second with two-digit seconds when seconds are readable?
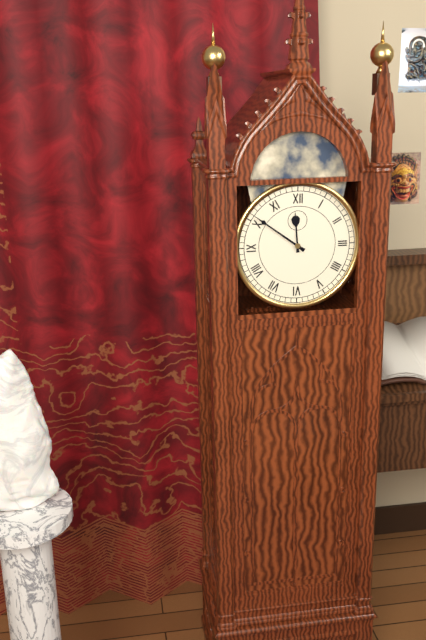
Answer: 11,51
